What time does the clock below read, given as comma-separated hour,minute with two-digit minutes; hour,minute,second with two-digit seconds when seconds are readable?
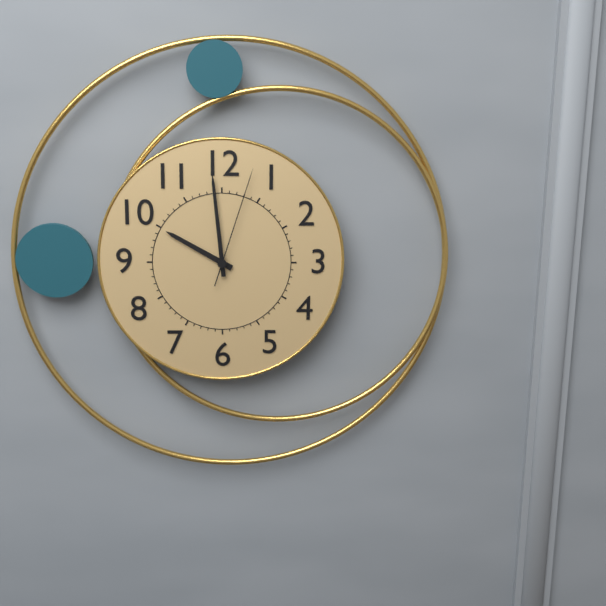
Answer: 9,59,03
